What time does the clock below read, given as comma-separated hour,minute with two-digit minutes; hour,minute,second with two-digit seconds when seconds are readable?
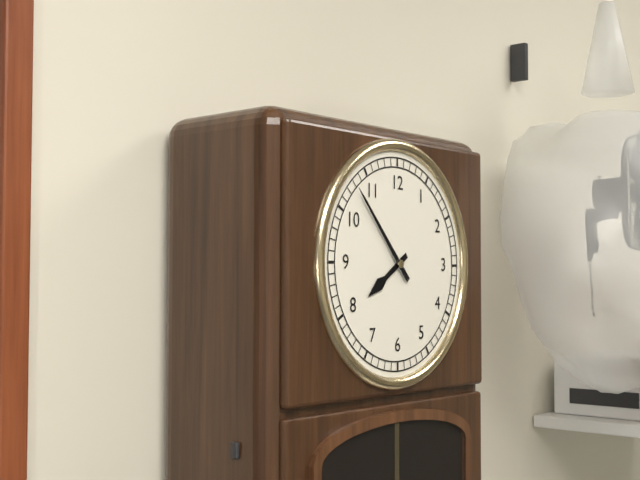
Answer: 7,53
